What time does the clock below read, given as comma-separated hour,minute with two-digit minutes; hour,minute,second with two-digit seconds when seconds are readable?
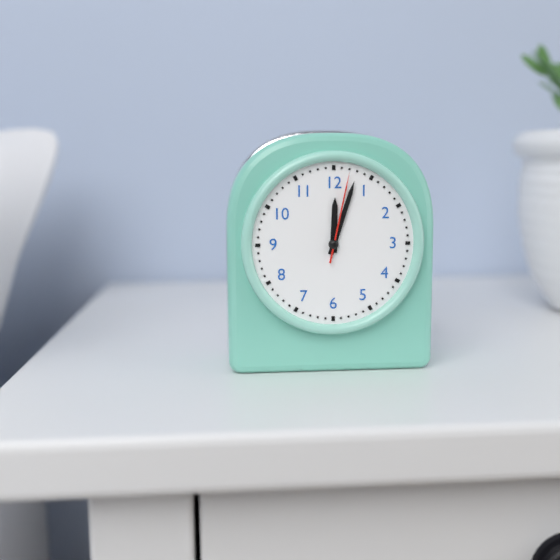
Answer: 12,03,02
